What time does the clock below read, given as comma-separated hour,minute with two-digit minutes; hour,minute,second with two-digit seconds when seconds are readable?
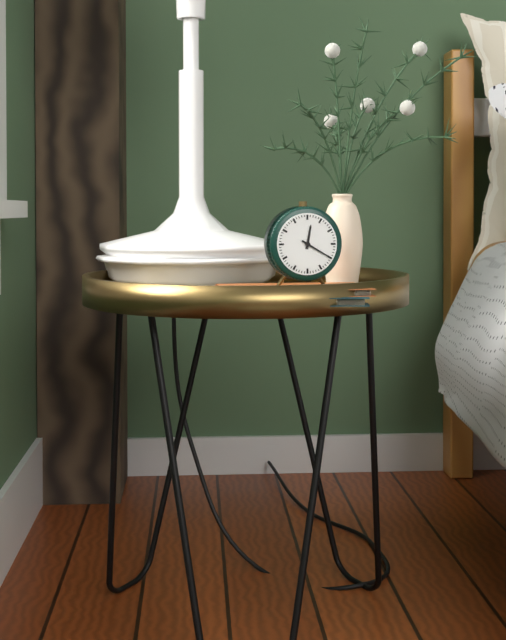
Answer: 12,20
